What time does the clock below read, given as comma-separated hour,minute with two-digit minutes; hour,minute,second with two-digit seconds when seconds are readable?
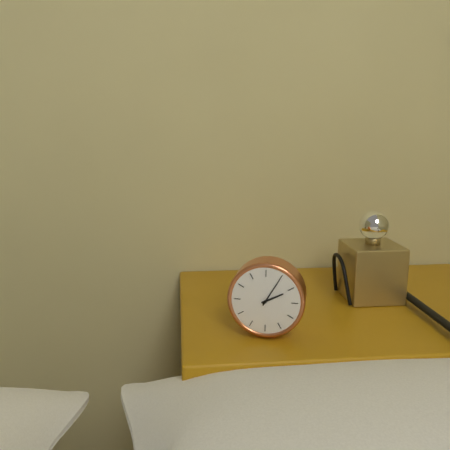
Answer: 2,05
